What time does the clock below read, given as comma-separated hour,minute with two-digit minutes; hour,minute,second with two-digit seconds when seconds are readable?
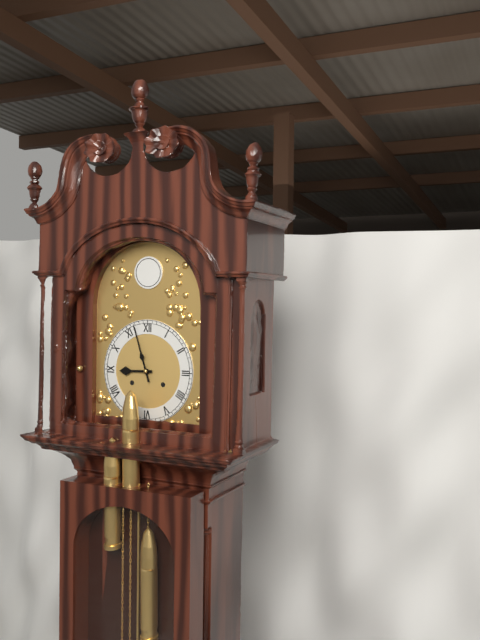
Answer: 8,57
